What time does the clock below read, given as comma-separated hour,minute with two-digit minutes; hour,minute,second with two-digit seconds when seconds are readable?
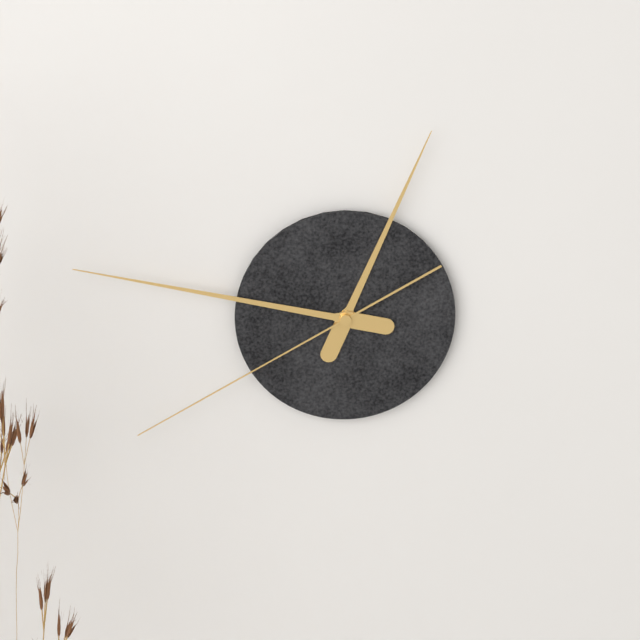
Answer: 12,47,40
